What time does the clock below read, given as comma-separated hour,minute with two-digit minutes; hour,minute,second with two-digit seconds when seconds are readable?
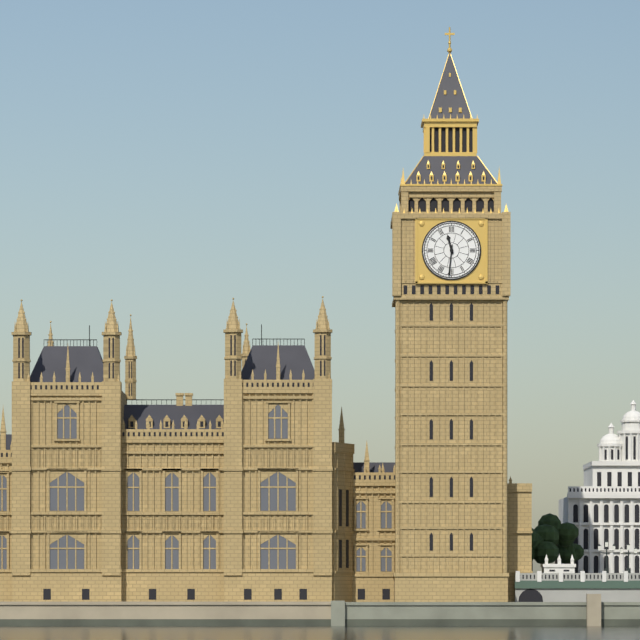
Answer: 11,31
